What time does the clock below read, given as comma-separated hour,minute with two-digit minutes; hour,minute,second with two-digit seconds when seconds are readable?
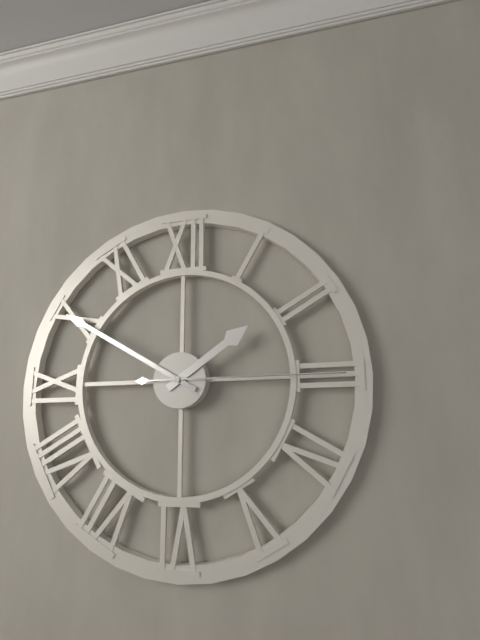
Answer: 1,50,15
